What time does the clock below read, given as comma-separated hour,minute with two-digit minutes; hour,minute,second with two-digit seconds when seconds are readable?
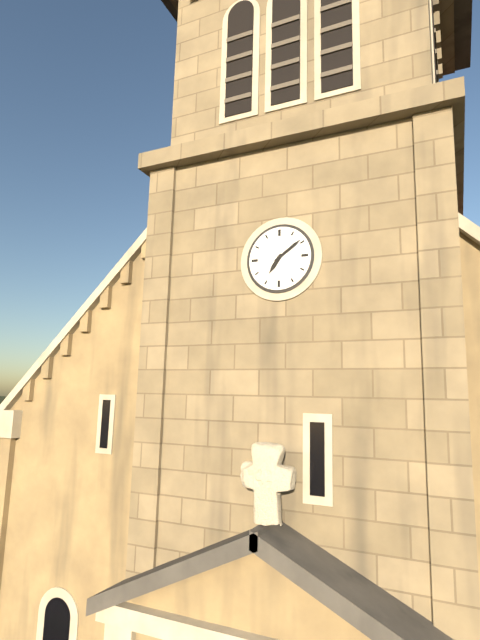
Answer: 7,09
